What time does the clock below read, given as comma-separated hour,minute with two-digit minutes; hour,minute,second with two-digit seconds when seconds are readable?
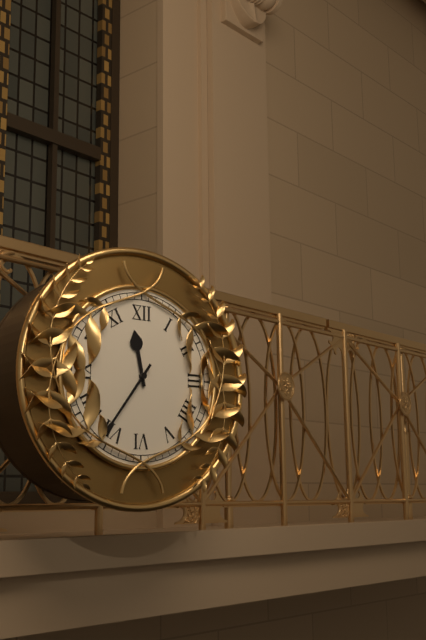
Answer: 11,36
